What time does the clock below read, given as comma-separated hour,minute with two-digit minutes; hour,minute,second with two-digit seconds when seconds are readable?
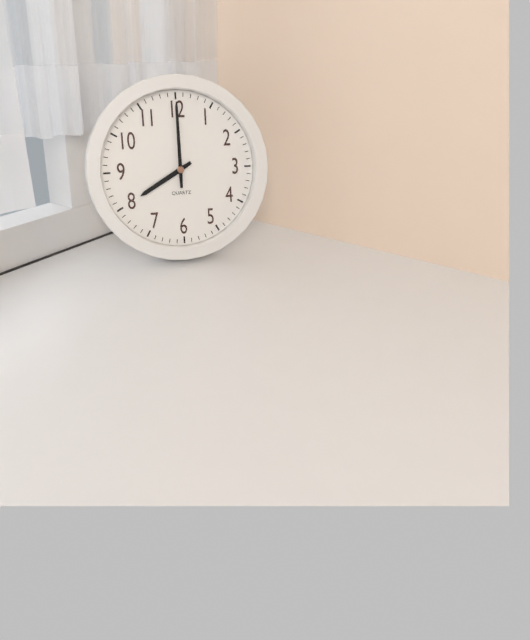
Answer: 8,00,00
